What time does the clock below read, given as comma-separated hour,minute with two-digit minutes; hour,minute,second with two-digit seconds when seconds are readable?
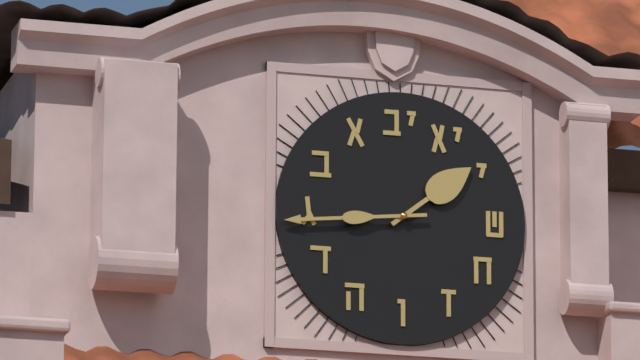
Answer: 1,44
